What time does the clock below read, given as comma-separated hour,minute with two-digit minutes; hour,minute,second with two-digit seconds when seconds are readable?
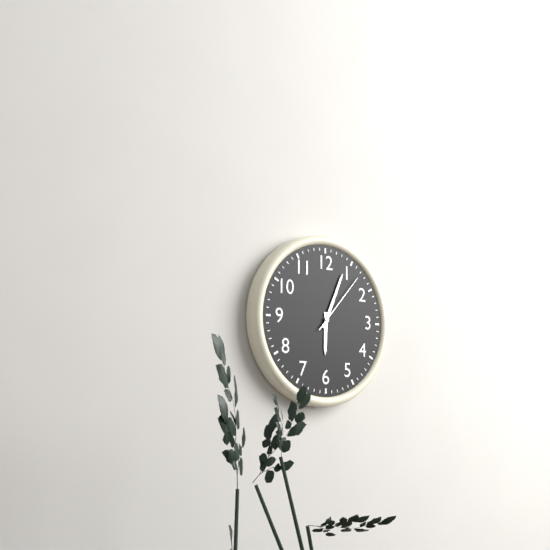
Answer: 6,04,07
